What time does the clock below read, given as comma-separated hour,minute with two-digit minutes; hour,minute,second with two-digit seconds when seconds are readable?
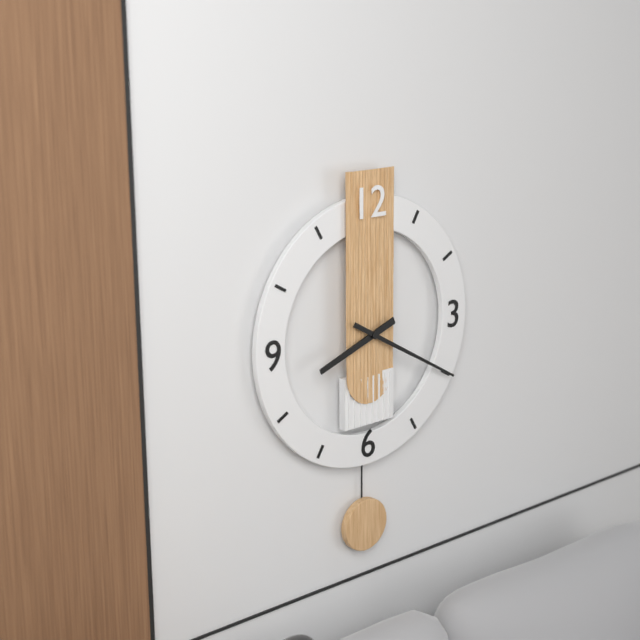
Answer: 8,20
